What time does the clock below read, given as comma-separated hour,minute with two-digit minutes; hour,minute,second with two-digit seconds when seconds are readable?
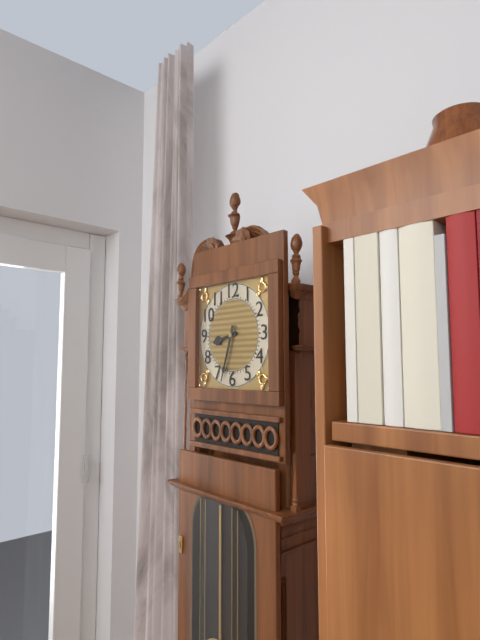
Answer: 8,33
